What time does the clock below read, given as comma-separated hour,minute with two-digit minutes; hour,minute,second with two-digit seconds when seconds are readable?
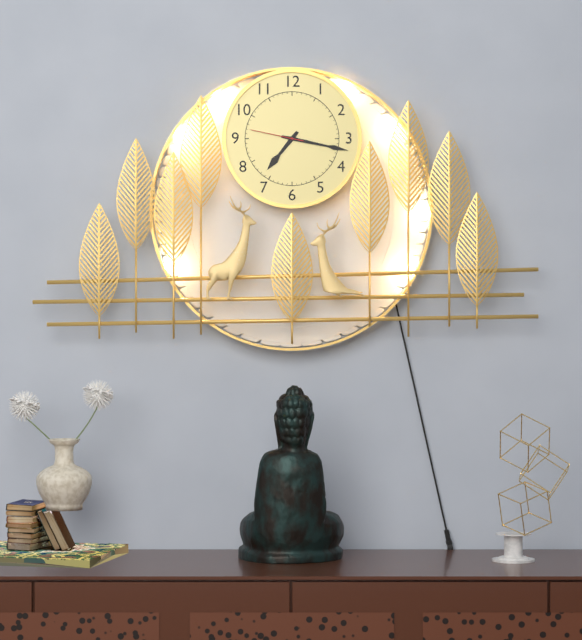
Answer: 7,17,47
